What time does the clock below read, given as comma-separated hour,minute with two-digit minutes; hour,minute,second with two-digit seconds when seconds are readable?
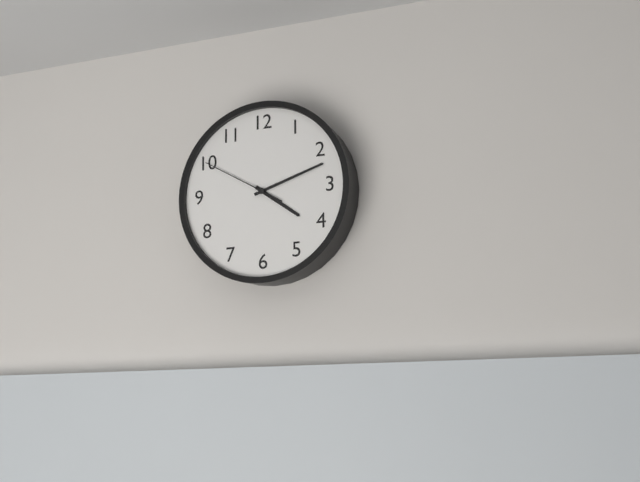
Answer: 4,12,50
